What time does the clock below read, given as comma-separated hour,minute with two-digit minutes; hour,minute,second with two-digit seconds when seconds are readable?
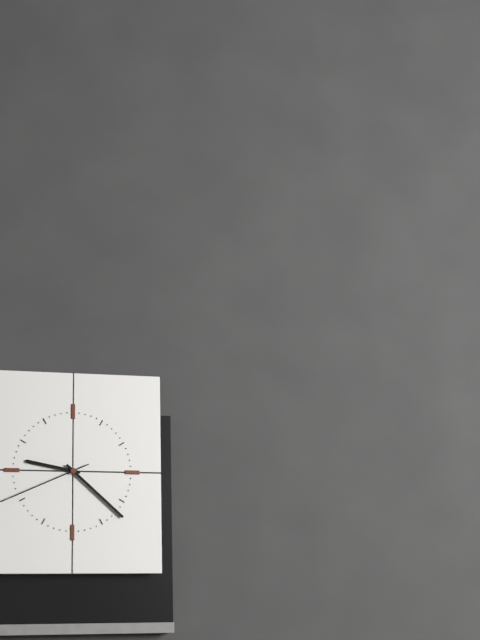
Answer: 9,22,41
